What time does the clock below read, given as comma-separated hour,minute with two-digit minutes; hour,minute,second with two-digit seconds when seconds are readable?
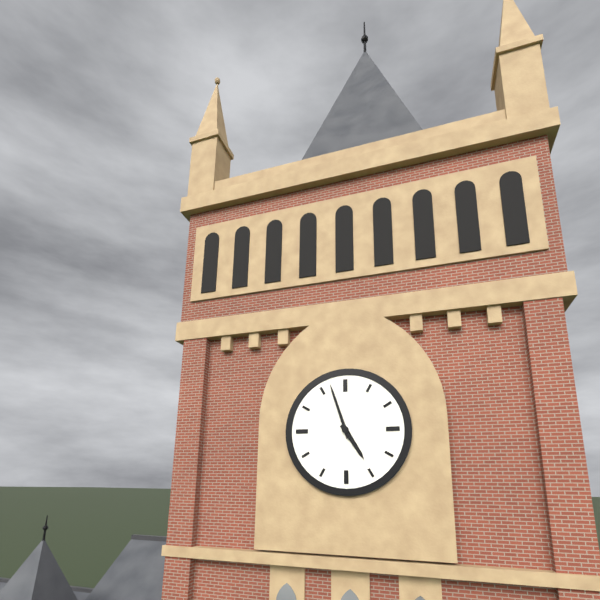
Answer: 4,57
